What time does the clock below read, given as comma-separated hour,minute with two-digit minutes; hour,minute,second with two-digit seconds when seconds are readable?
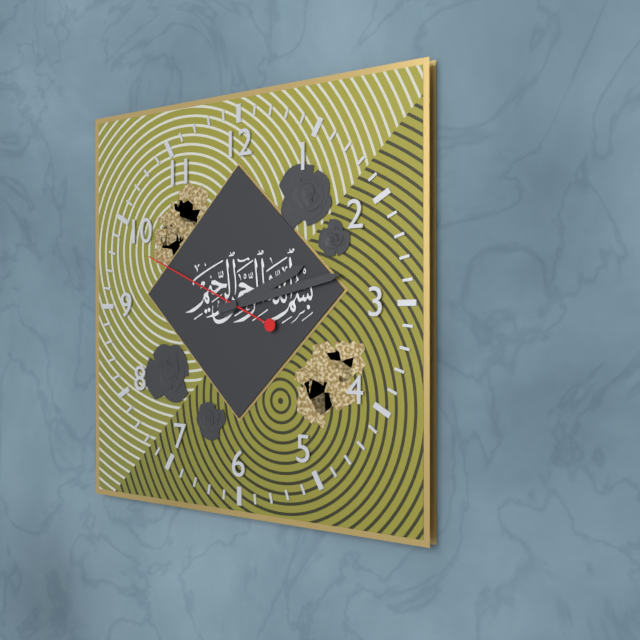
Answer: 2,13,49
